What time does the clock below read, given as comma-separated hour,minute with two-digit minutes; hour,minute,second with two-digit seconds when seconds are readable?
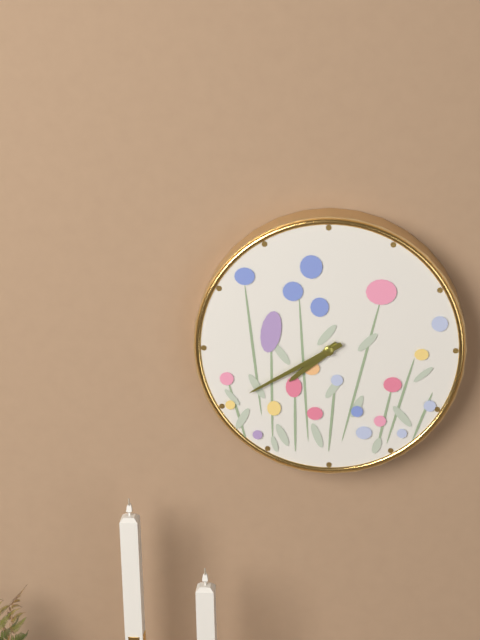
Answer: 7,40
